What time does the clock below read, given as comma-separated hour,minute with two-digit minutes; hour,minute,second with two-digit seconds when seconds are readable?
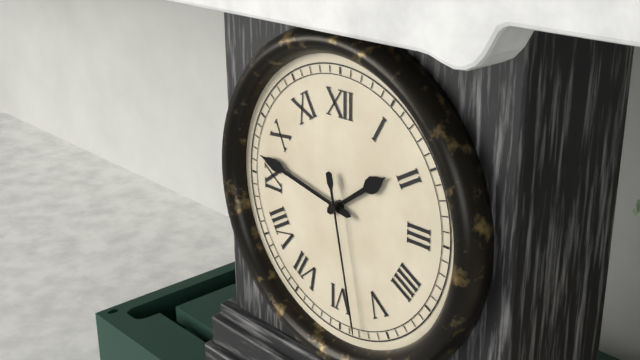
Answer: 1,47,28
